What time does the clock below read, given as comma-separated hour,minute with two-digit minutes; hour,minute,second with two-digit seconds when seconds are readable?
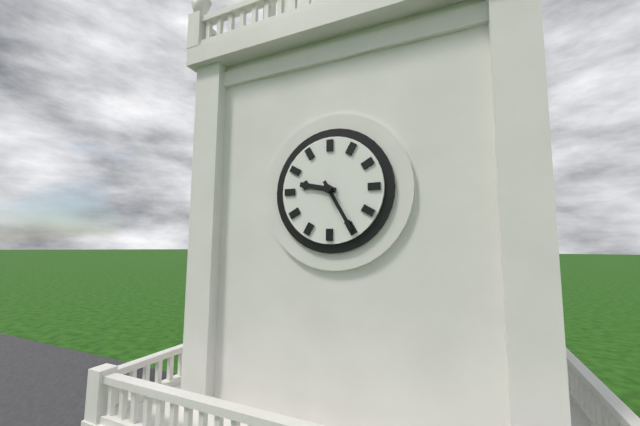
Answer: 9,25
